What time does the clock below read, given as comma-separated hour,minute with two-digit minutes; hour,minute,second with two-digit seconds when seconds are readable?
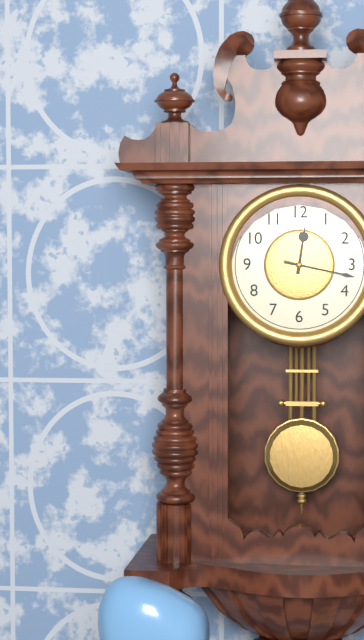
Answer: 12,17
